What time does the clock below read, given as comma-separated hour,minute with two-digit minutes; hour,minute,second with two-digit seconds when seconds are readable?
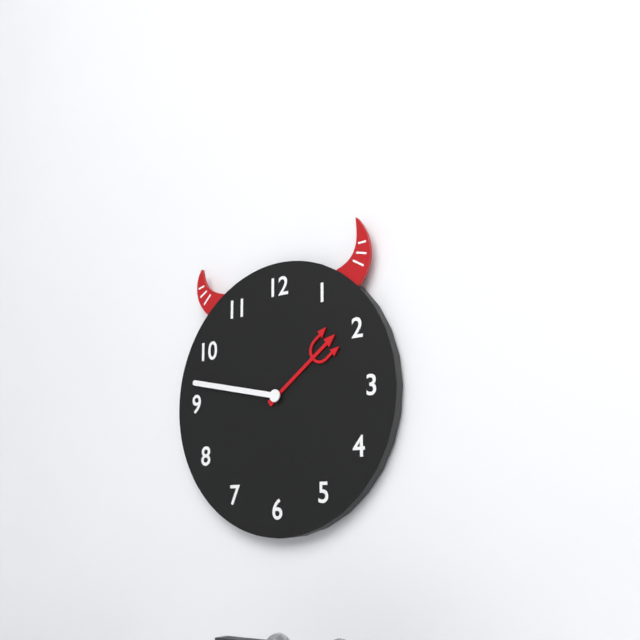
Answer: 1,47
